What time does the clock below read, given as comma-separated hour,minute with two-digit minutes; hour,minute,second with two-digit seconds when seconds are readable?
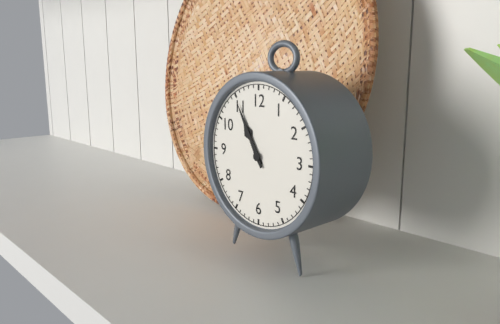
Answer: 10,55
